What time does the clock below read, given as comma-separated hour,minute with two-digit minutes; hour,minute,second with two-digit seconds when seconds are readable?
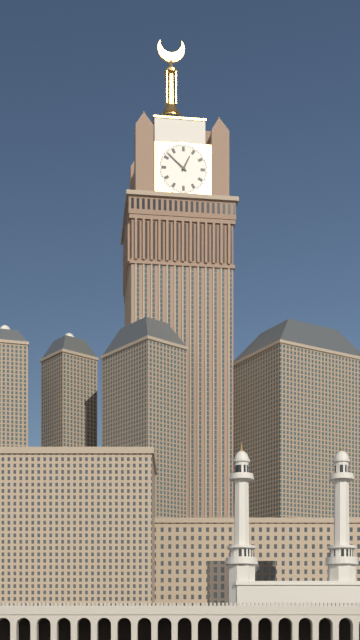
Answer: 12,52
